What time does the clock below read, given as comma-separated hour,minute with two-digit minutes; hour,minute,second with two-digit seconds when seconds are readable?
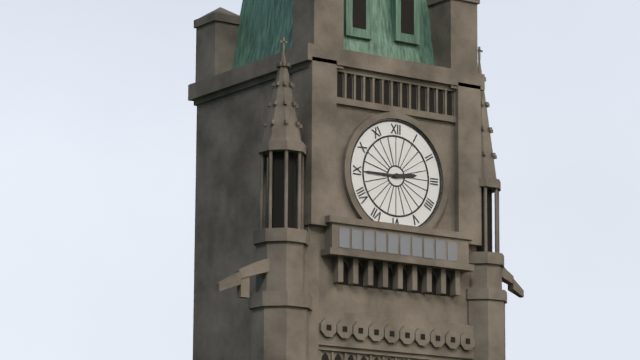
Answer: 2,45
